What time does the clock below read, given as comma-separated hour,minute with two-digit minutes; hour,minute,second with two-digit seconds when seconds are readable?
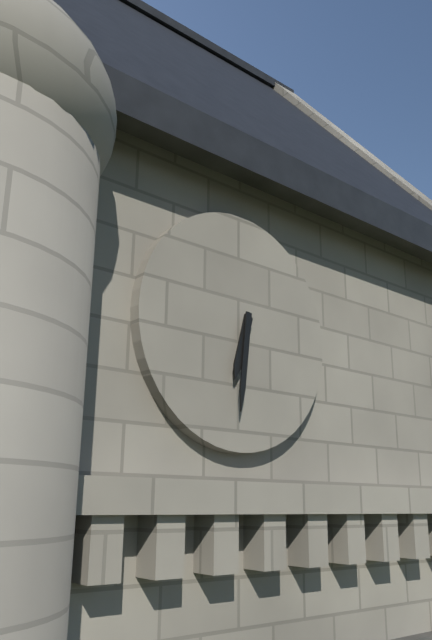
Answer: 6,31
